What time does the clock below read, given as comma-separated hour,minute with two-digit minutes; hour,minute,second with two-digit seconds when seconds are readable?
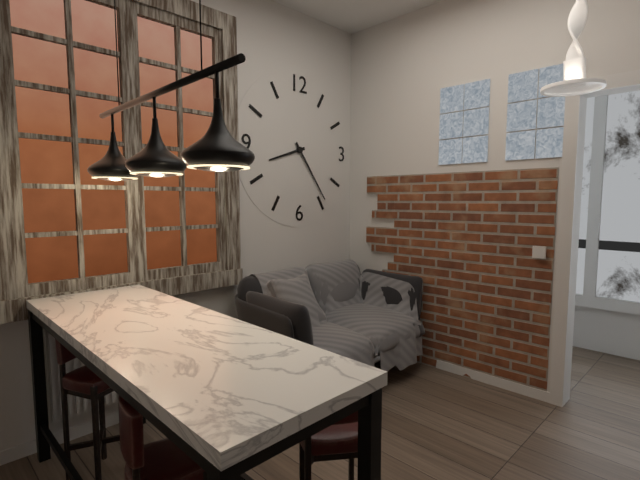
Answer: 8,24
